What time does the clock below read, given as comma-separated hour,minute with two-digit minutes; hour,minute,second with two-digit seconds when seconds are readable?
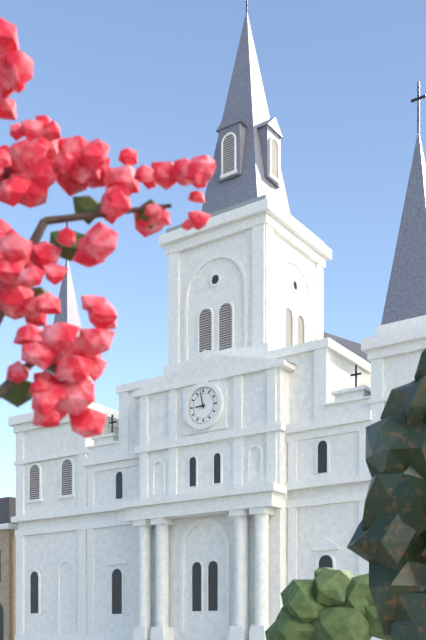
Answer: 8,58
